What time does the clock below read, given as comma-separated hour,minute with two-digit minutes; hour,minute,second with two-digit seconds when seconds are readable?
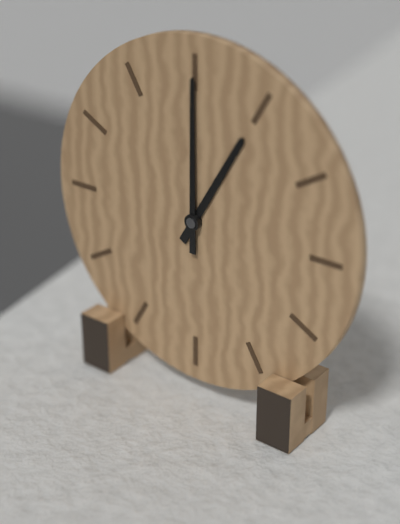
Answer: 1,00
